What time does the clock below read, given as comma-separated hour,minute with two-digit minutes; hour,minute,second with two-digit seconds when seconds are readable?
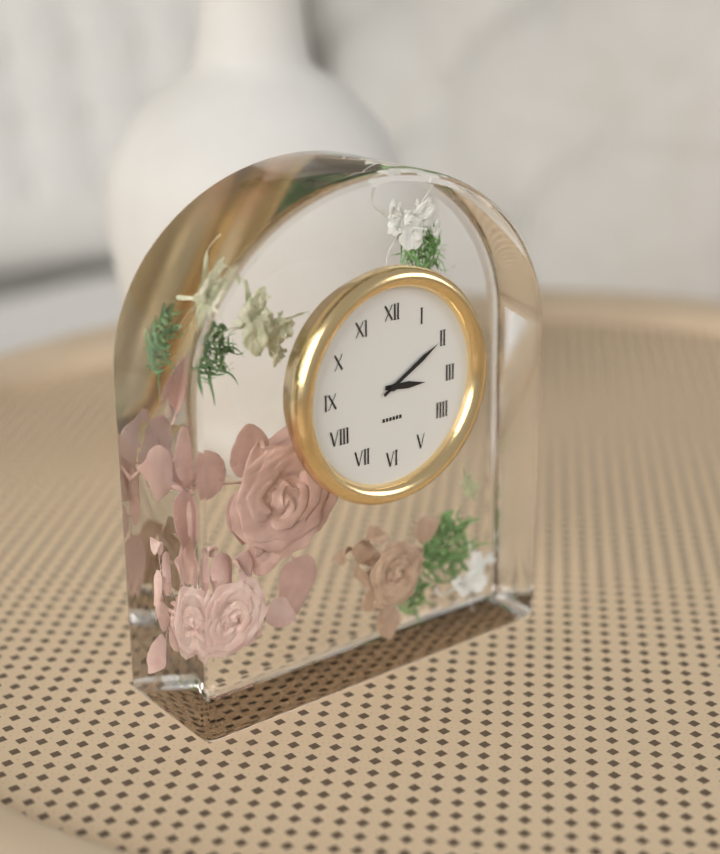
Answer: 3,10
